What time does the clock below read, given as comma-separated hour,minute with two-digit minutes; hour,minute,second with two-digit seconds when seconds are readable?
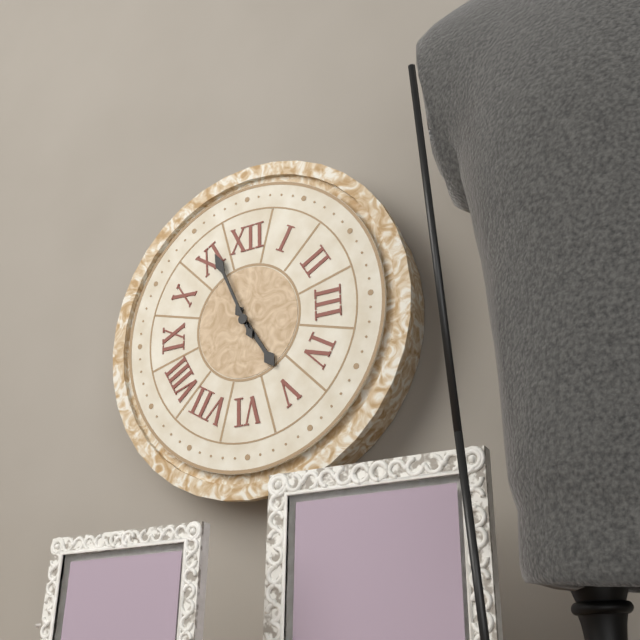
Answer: 4,56
